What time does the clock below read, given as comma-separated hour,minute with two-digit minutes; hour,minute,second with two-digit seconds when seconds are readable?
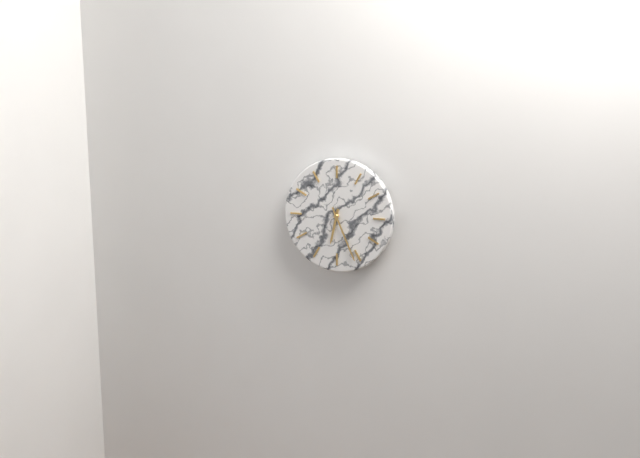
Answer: 6,26
